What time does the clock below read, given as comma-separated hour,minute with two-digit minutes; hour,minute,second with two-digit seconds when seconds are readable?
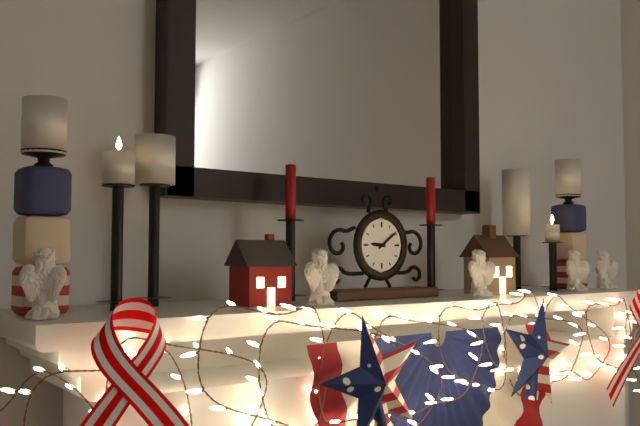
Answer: 9,09
